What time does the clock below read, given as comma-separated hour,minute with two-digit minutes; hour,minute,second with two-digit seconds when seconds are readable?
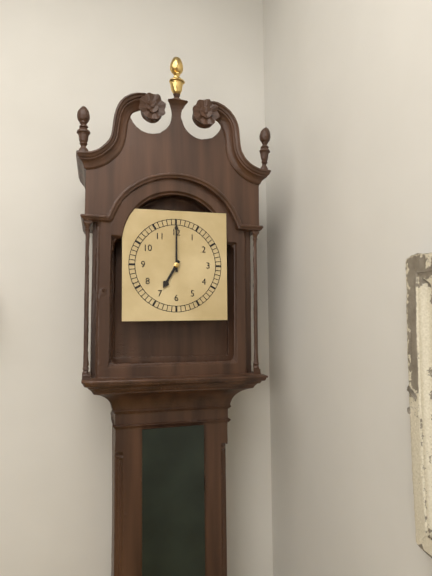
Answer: 7,00
